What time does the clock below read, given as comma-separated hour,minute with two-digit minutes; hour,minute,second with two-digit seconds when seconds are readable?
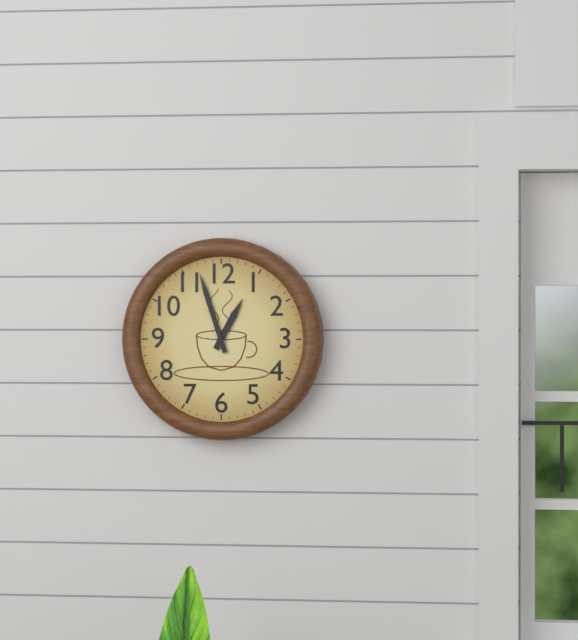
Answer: 12,57
